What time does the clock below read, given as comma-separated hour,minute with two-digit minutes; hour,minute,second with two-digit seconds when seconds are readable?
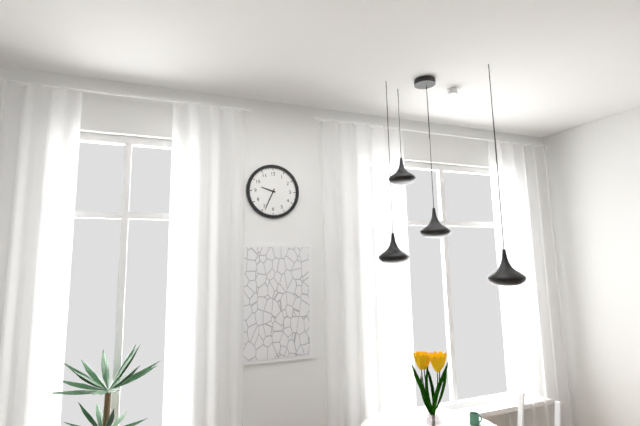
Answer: 9,34
